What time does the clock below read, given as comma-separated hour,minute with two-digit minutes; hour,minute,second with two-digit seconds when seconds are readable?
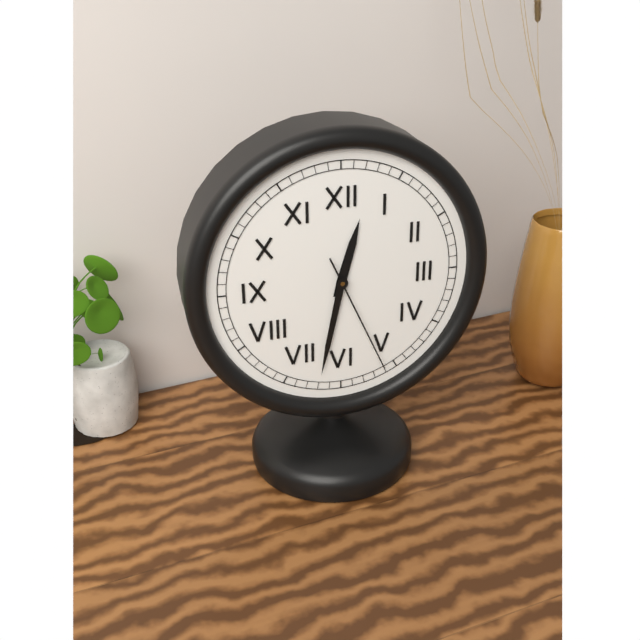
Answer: 12,32,26
